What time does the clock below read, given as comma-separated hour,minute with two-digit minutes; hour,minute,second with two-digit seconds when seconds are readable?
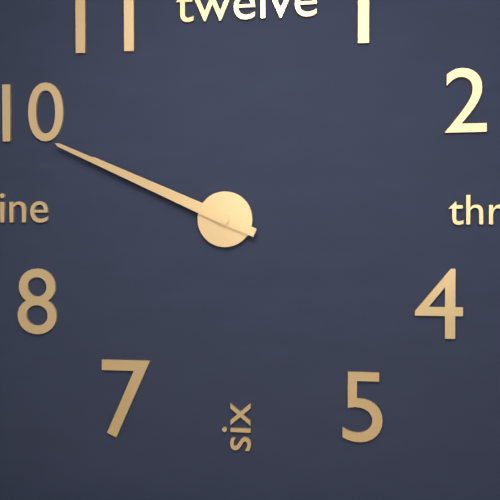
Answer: 9,49
